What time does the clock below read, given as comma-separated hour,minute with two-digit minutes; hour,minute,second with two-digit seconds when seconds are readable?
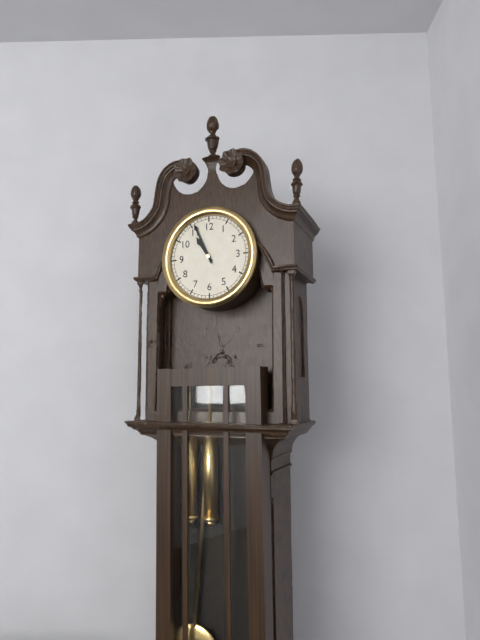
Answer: 10,56
